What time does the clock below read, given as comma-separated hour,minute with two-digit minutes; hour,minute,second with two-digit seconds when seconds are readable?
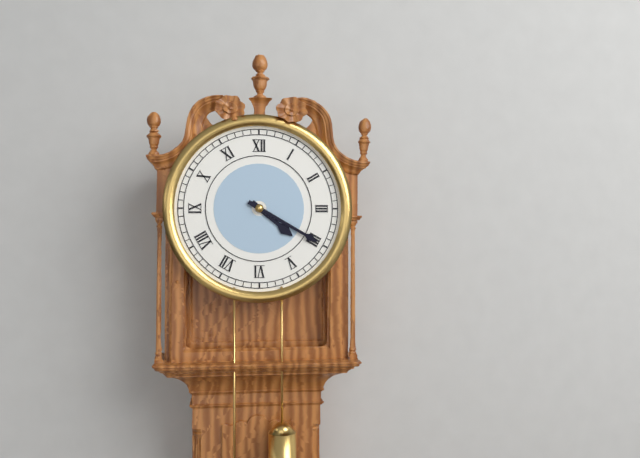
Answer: 4,20
